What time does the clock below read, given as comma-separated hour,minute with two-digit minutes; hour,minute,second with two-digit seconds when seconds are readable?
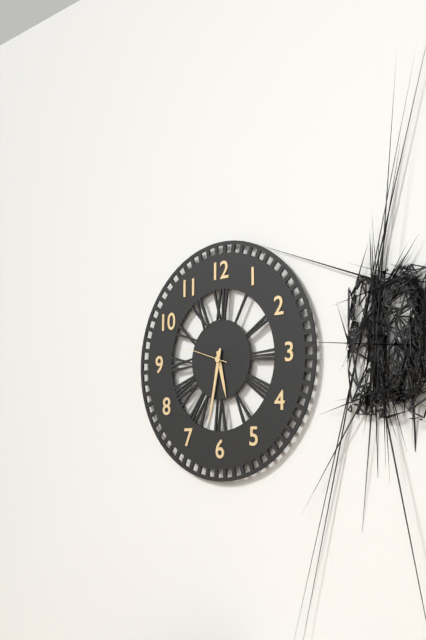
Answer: 5,32
